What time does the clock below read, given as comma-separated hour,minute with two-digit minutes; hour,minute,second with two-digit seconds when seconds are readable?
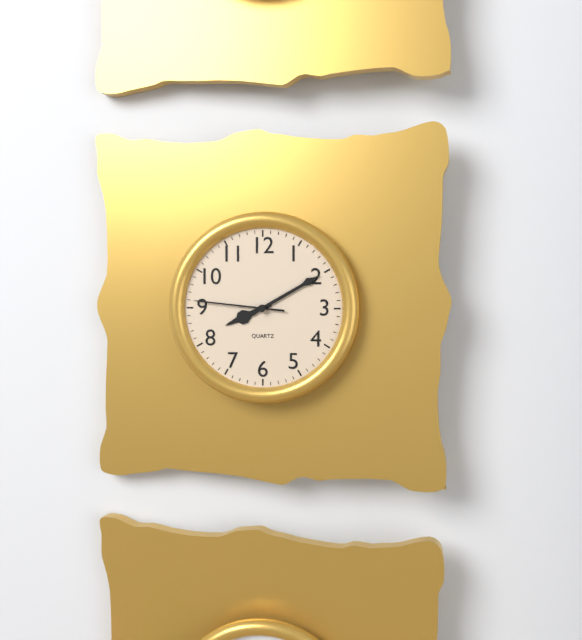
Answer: 8,10,46
